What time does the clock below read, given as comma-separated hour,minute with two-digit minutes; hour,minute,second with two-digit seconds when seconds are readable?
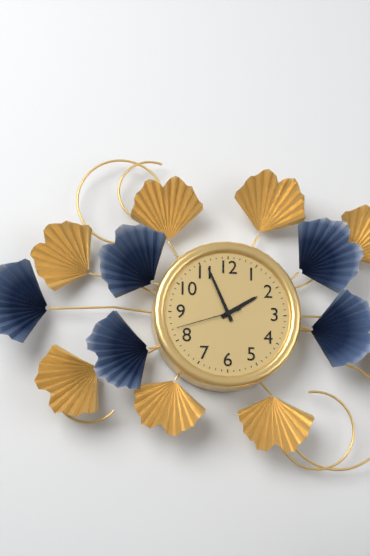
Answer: 1,56,42
